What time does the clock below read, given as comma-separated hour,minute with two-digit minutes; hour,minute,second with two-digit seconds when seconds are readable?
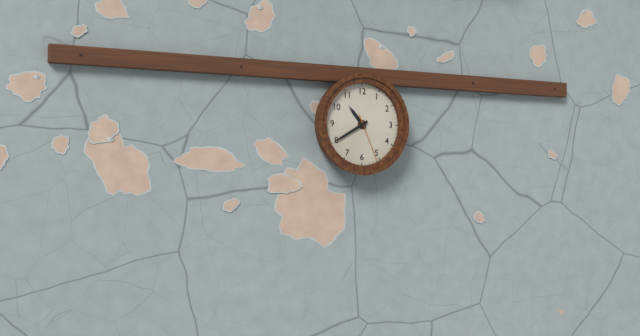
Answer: 10,40
